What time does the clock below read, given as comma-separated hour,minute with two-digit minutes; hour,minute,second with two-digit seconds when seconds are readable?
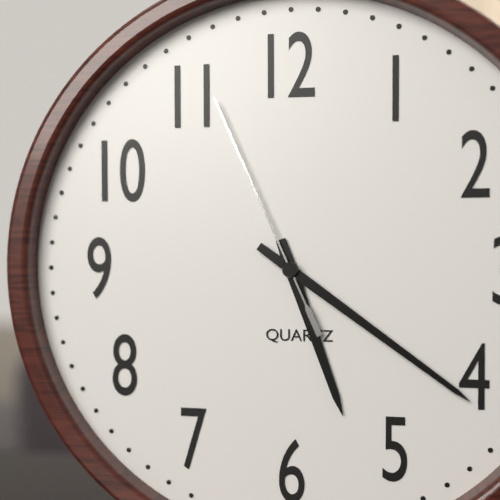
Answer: 5,21,56
